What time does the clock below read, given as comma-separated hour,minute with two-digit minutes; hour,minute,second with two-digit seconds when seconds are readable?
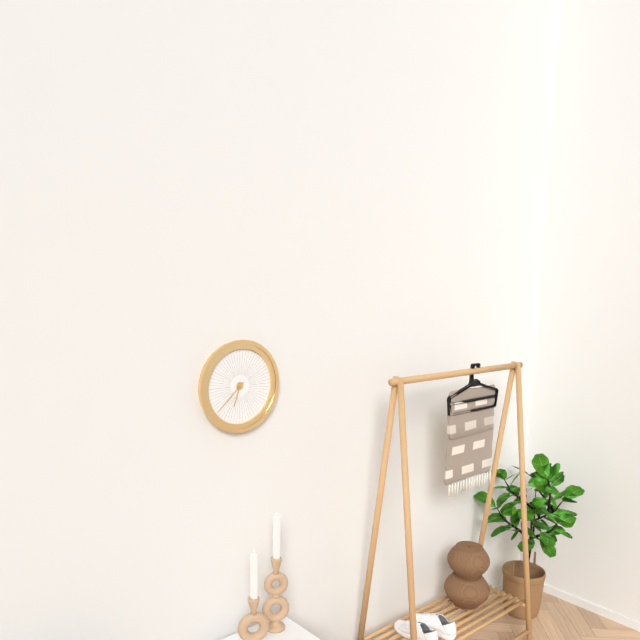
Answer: 6,38
